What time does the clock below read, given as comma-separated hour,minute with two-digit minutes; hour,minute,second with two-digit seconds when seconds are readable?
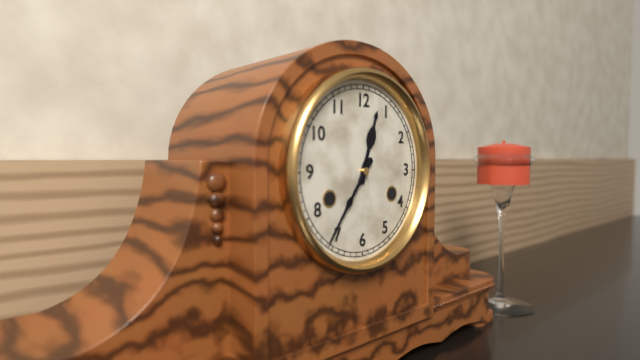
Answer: 12,36
